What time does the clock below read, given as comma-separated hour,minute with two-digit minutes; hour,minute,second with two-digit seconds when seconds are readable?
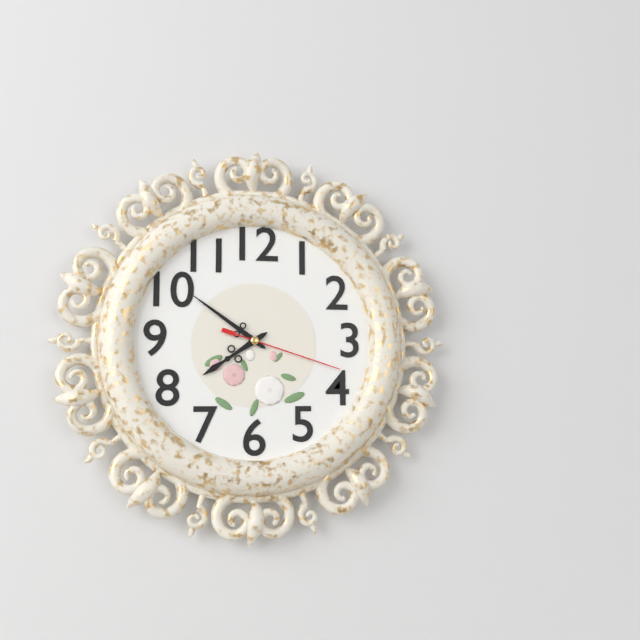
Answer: 7,51,18
